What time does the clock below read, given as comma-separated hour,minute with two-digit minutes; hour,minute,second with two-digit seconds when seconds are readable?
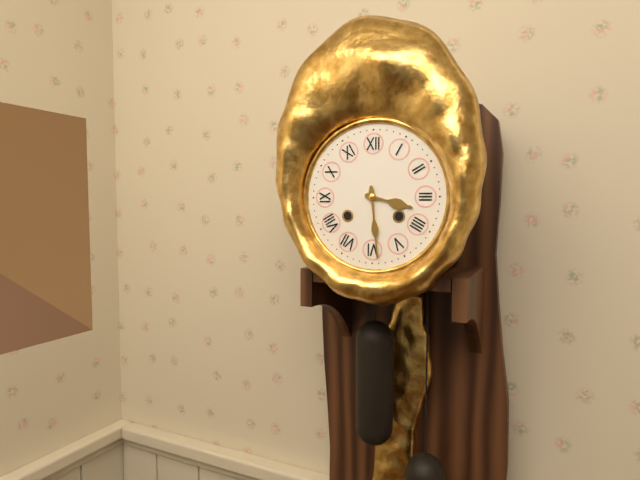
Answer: 3,29
